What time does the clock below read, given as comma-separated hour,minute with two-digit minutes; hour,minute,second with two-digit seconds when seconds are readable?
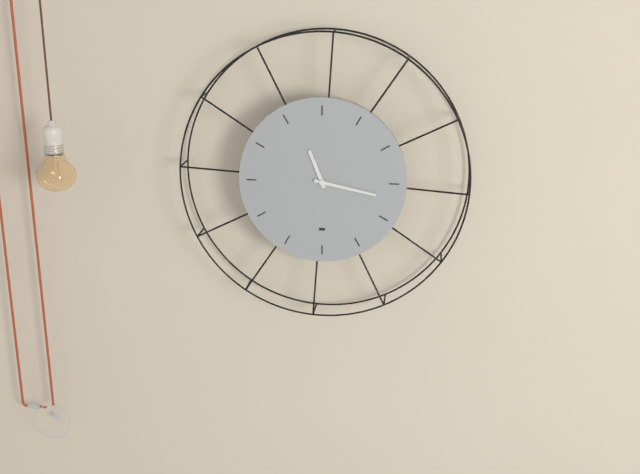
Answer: 11,17
